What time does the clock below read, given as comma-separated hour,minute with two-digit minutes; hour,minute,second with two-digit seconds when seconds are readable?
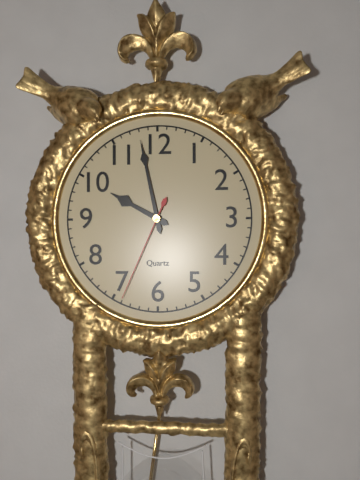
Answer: 9,58,34
